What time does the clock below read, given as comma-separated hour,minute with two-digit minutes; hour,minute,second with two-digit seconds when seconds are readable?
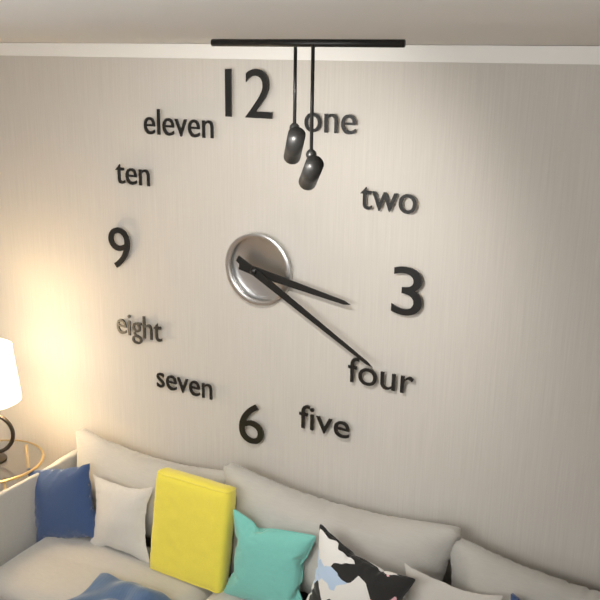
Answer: 3,20
